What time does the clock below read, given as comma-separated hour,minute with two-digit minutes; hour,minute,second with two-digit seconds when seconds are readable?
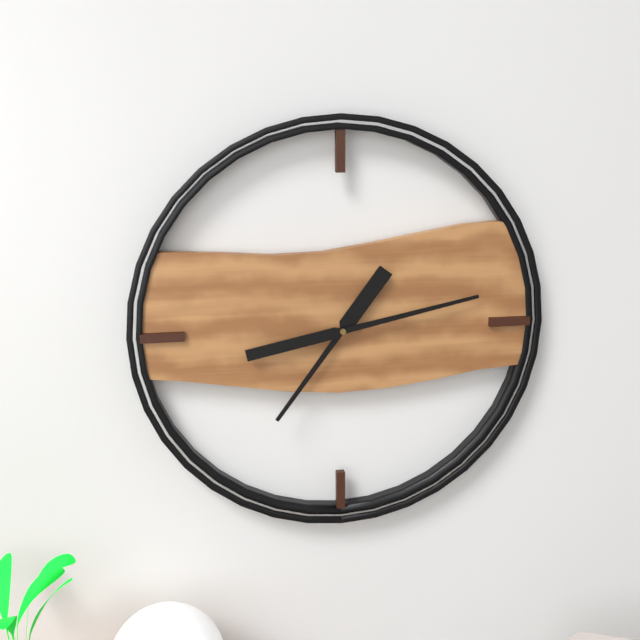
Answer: 7,13
